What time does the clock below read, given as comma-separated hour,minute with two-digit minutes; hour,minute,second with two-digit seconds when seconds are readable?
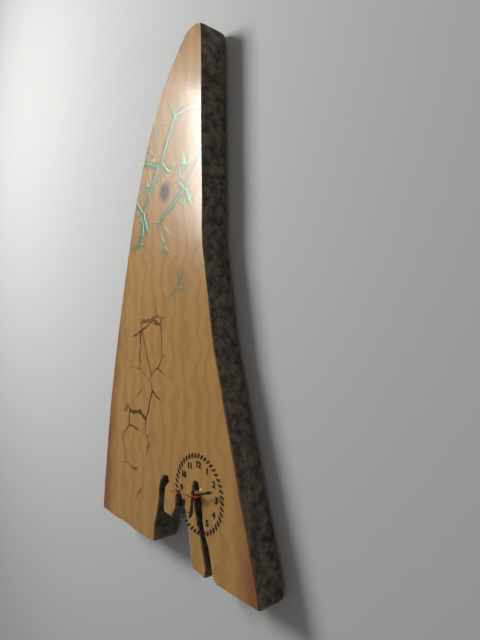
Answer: 6,12
